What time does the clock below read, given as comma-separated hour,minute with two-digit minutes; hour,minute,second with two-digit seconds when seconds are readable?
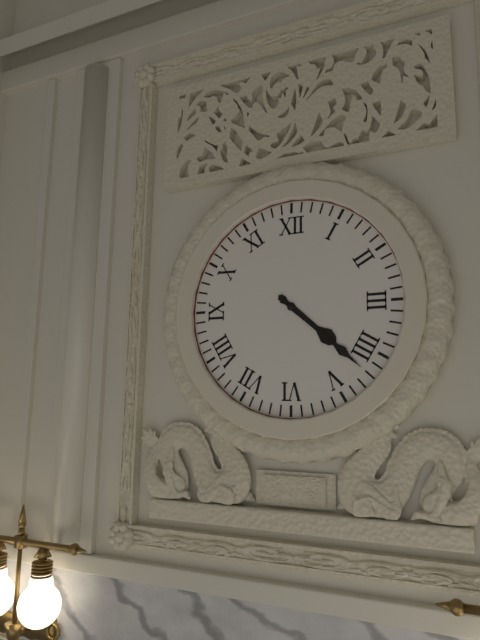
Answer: 4,22
